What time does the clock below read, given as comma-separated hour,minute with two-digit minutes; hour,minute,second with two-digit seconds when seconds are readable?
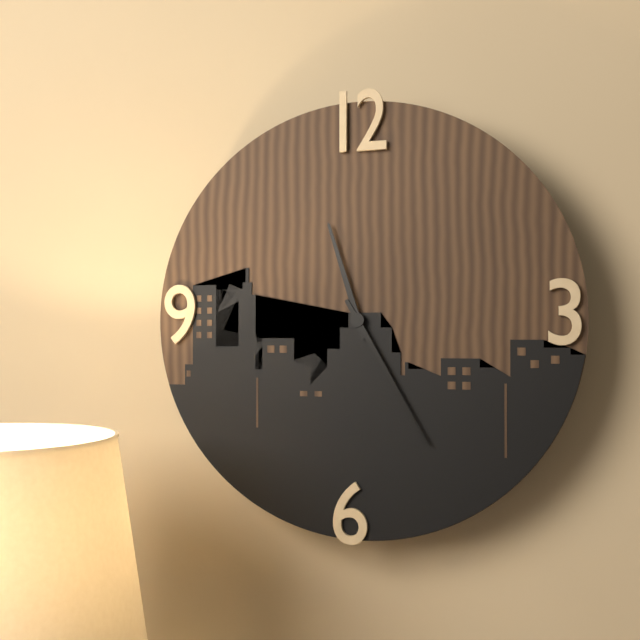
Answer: 11,25
